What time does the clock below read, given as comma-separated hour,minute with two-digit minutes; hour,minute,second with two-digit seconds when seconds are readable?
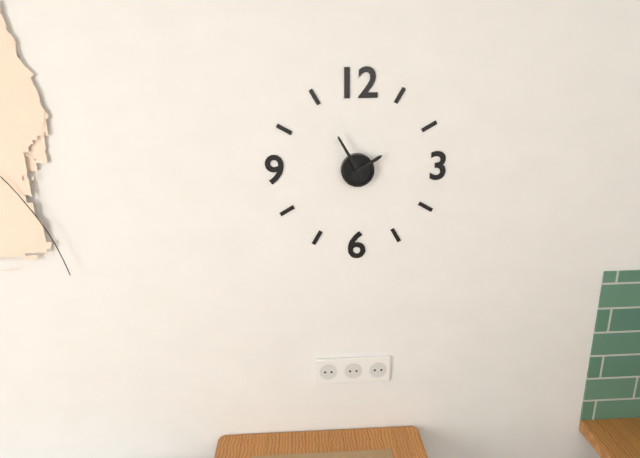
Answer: 1,55
